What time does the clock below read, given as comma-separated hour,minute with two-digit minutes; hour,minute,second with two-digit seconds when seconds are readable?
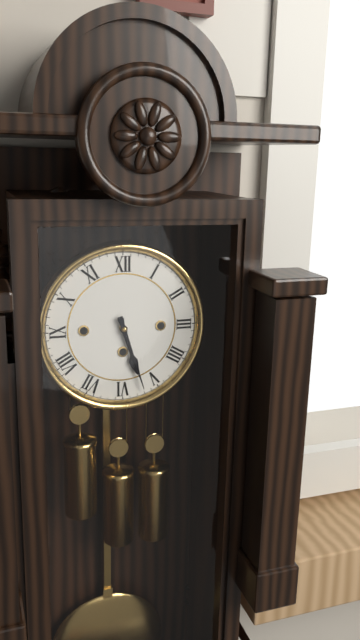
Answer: 5,27
